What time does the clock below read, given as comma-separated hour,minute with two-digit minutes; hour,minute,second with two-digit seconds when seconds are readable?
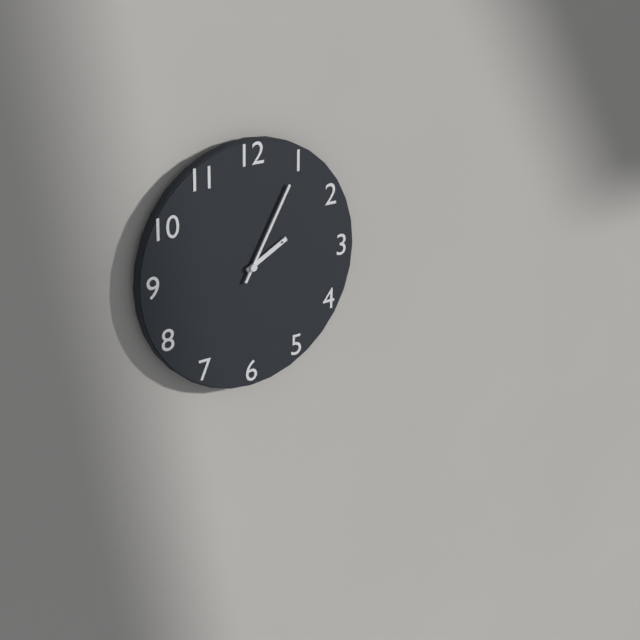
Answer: 2,05
